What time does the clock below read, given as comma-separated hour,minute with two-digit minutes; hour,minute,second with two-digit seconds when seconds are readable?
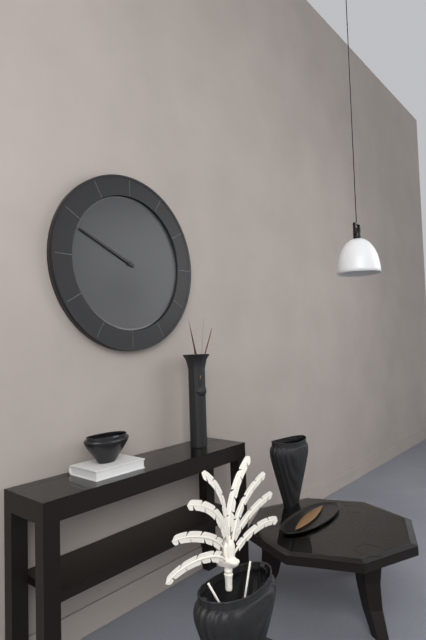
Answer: 9,49
